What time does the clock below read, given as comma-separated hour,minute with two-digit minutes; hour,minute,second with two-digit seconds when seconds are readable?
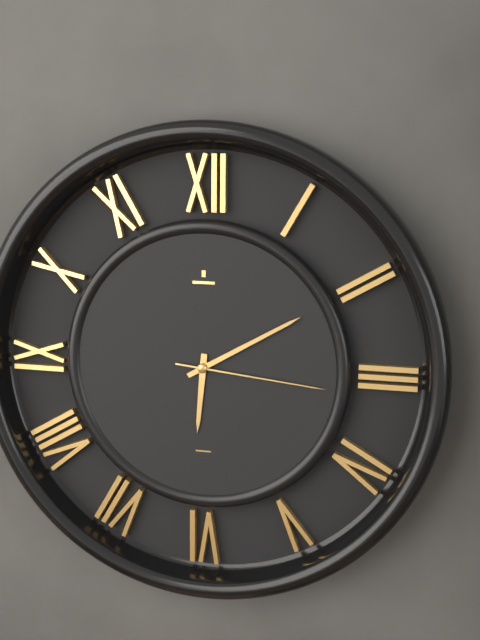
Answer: 6,10,16
